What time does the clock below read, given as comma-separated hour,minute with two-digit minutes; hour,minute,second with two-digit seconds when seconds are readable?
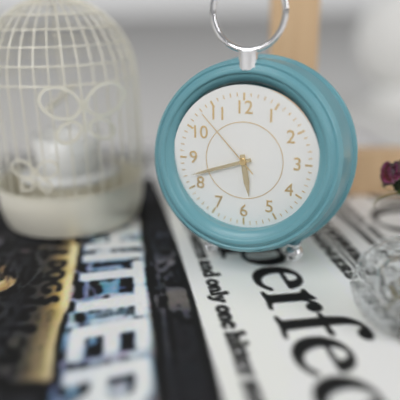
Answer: 5,42,53
